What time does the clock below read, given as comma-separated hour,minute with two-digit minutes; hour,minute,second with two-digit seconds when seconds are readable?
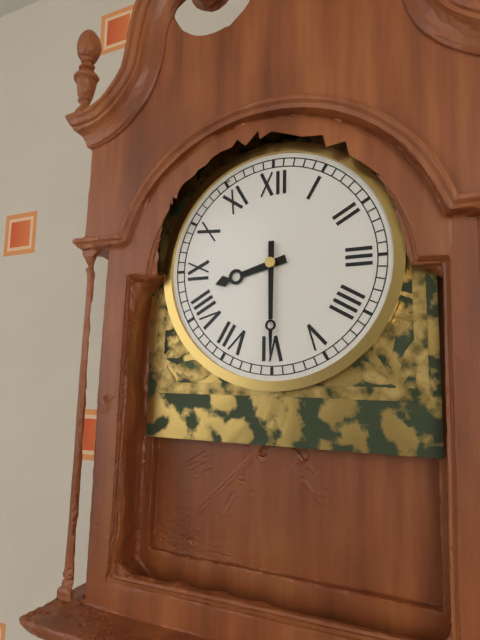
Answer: 8,30
